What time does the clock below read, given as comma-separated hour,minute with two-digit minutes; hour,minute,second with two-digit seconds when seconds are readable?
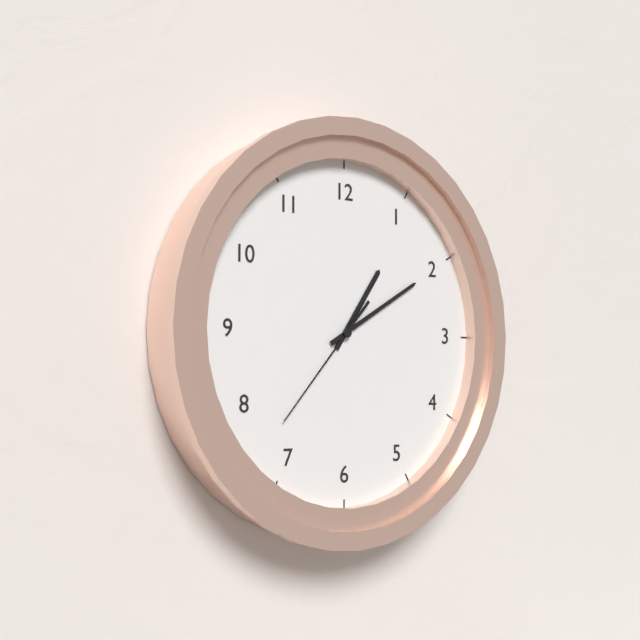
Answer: 1,10,37
